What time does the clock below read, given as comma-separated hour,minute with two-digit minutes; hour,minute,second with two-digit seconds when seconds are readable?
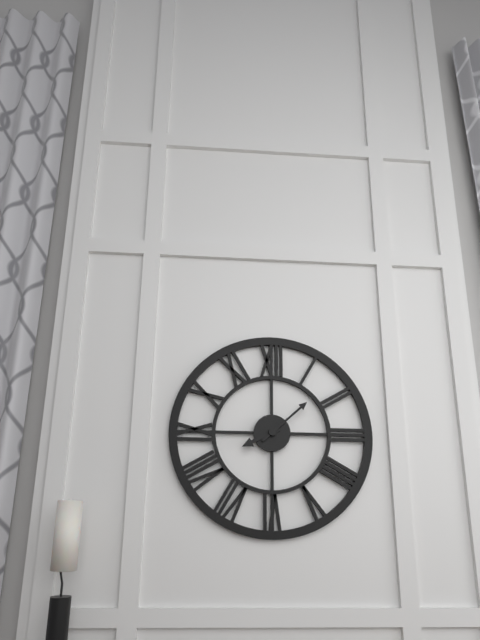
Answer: 8,08
